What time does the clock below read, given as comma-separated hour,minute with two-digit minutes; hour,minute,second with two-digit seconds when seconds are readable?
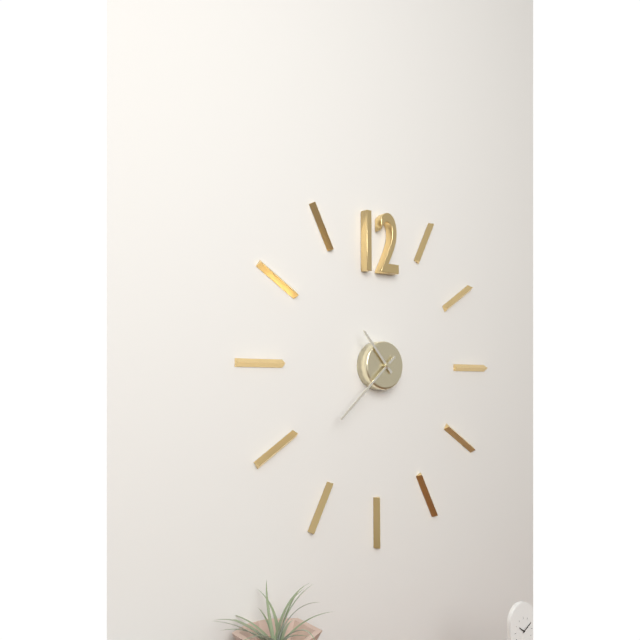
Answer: 10,38
